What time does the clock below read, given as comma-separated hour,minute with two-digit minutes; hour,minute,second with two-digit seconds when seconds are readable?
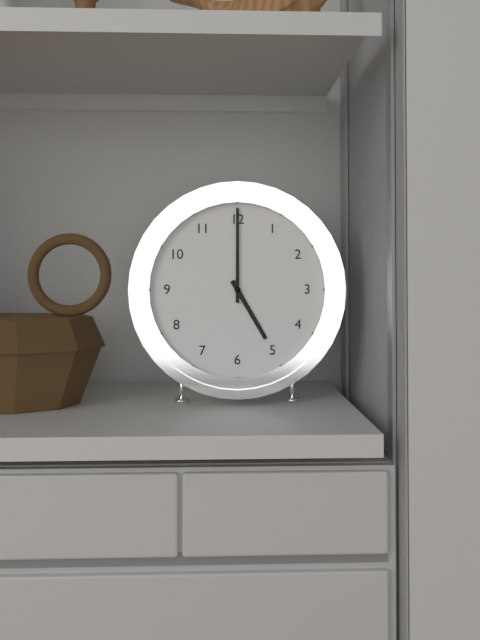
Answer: 5,00
